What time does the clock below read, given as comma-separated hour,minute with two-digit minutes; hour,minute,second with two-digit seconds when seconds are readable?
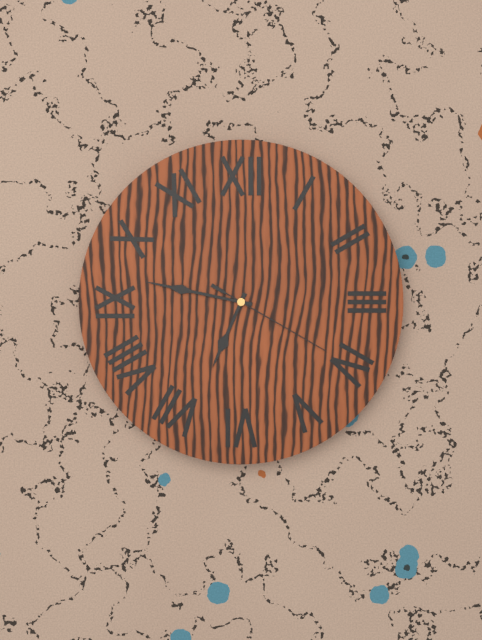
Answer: 6,47,20
